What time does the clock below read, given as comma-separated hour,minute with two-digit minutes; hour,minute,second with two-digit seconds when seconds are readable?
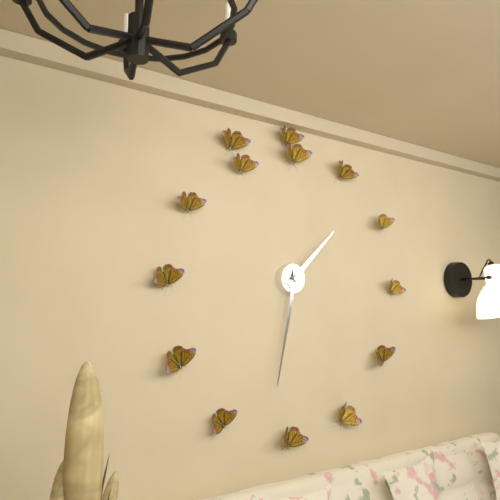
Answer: 1,32
